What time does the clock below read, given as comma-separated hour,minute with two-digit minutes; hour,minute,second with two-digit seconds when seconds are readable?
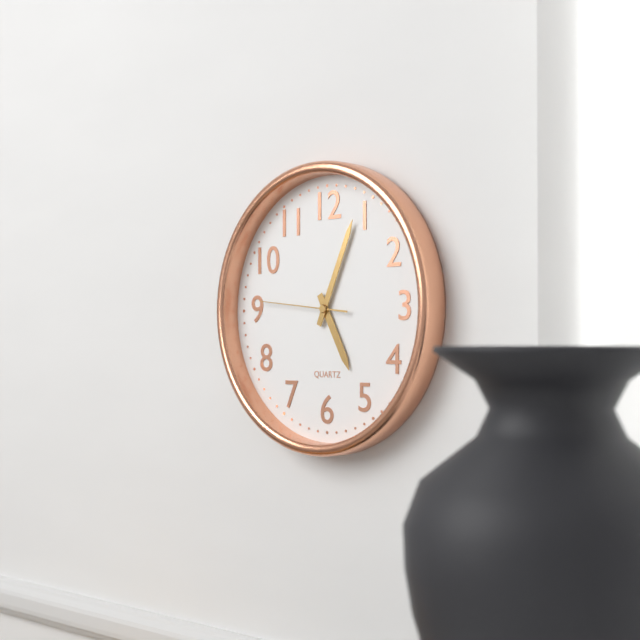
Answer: 5,04,46
